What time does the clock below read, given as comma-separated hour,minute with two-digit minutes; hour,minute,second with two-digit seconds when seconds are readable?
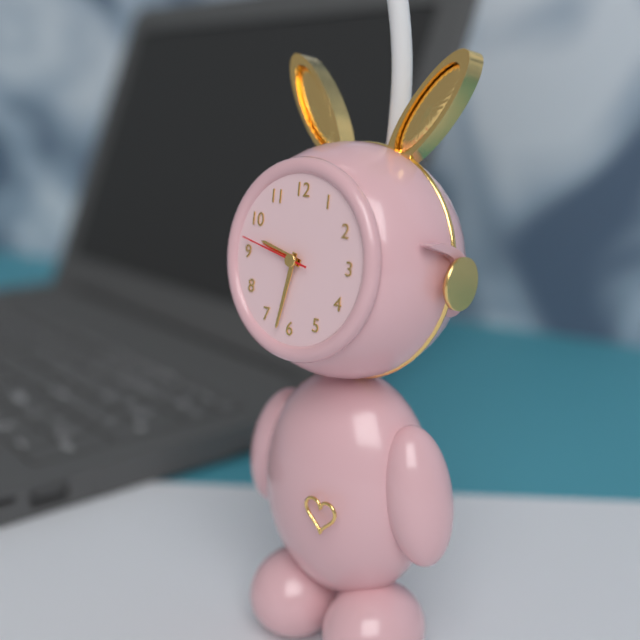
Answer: 9,32,47
